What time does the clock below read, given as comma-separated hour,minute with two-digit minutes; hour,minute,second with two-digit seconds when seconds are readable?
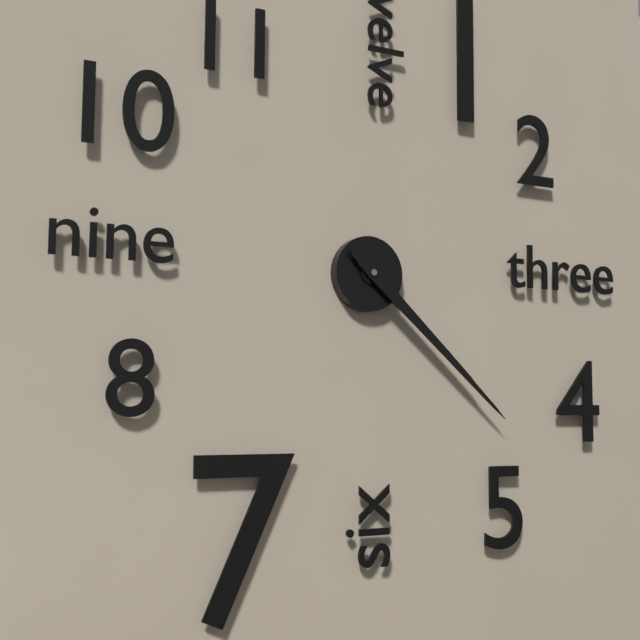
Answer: 4,22
